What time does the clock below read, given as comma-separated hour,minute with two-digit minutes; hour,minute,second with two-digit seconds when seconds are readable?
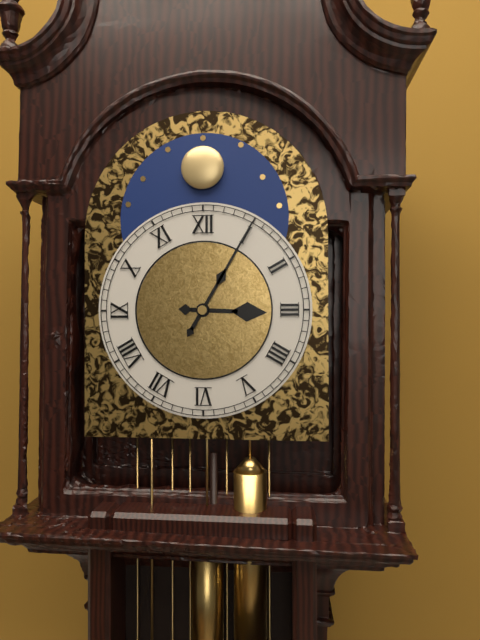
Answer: 3,05
